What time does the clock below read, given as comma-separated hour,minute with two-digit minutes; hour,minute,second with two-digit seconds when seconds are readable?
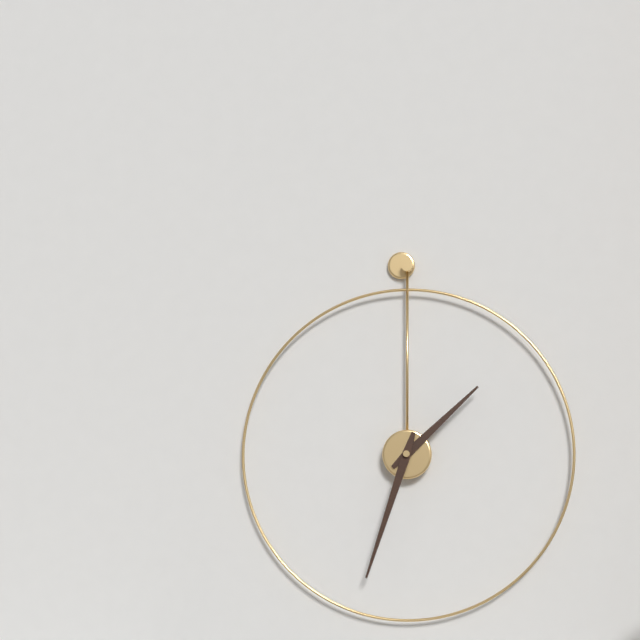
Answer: 1,33
